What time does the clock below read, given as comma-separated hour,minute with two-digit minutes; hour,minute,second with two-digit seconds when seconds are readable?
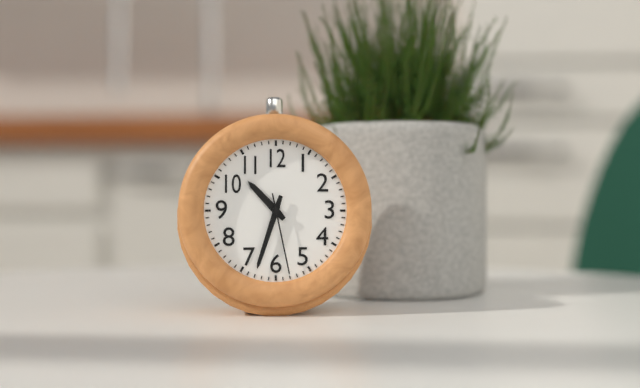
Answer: 10,33,28
